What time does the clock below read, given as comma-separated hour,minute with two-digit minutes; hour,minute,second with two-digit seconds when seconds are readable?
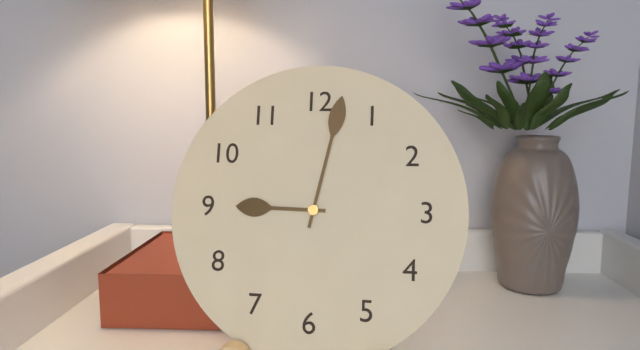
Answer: 9,02
